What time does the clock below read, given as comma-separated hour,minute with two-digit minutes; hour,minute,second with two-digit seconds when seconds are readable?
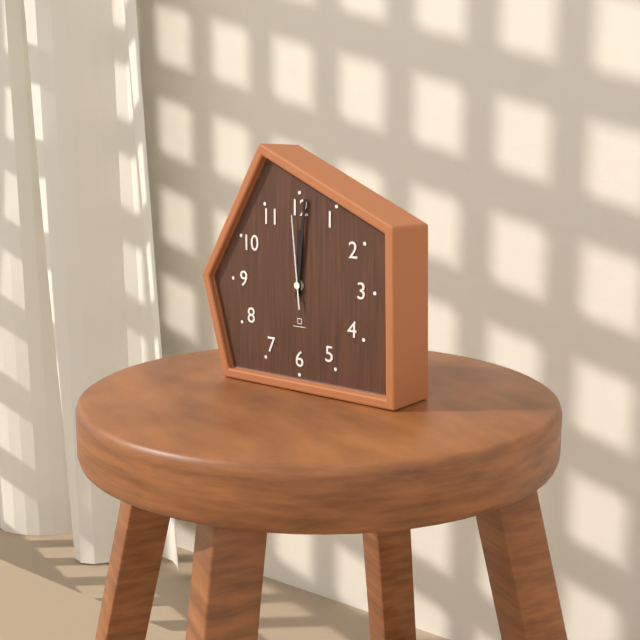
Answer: 12,01,59
